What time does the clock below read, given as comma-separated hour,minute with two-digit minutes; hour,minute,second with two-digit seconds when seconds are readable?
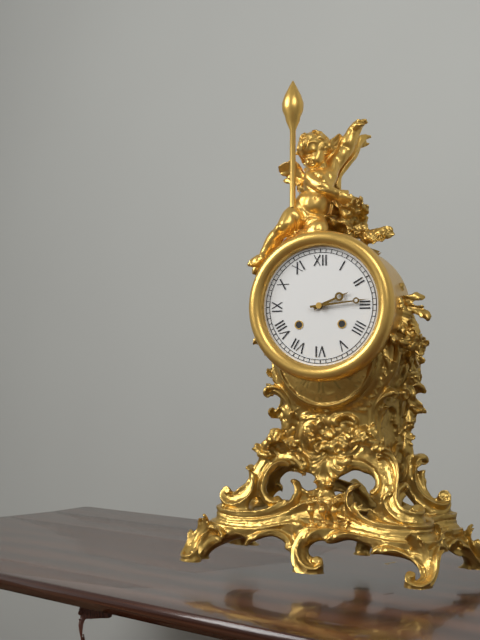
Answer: 2,14
